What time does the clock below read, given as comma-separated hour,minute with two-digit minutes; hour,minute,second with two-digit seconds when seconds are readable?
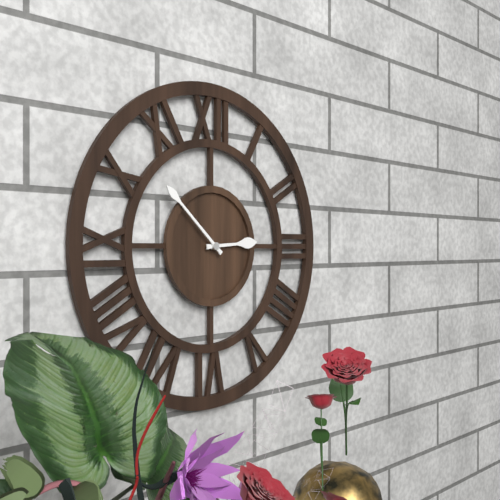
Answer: 2,52
